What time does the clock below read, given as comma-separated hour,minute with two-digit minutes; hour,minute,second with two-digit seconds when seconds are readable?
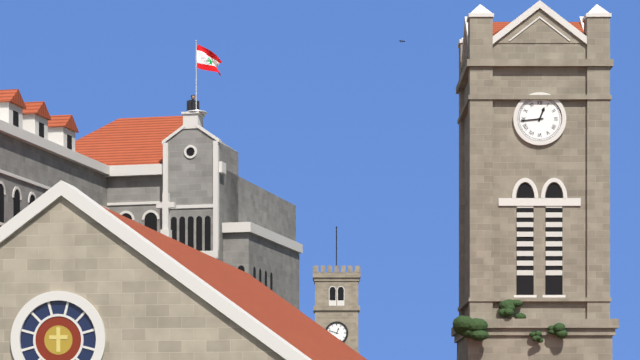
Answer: 12,44
